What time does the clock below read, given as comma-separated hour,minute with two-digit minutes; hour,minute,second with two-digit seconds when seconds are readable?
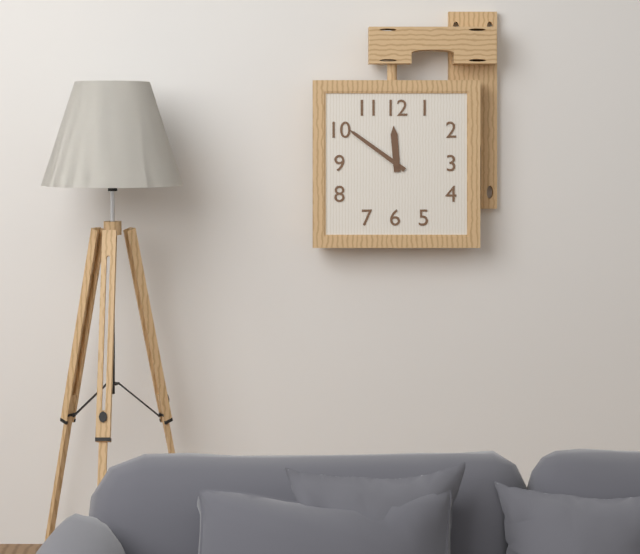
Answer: 11,51
